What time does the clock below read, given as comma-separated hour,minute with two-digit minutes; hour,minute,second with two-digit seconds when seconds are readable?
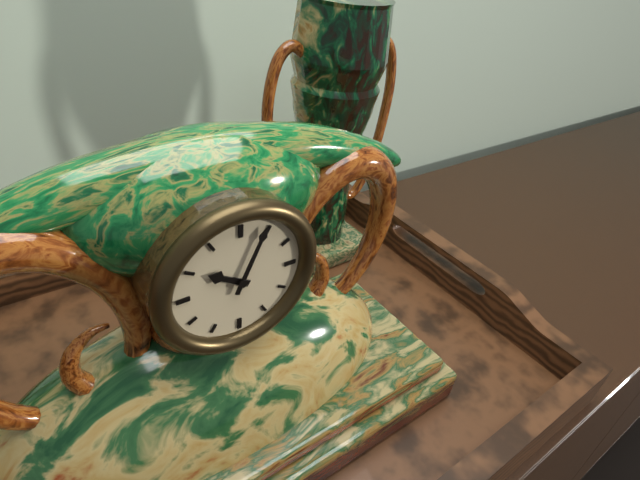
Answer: 10,04
